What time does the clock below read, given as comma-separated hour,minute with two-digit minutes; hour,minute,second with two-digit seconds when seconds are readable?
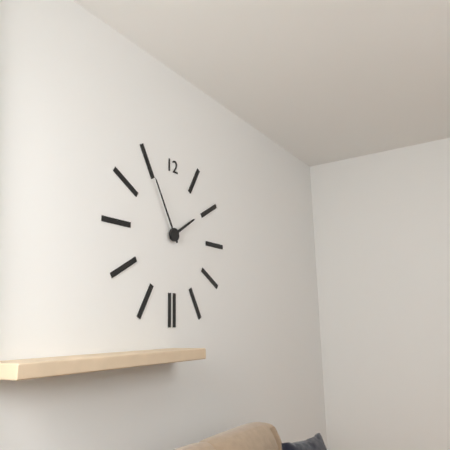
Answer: 1,55
